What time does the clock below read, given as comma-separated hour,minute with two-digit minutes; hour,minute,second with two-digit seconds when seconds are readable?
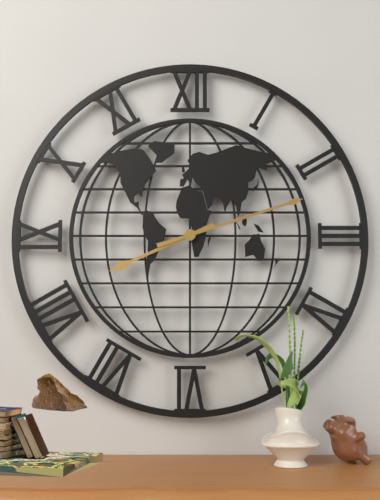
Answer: 8,12
